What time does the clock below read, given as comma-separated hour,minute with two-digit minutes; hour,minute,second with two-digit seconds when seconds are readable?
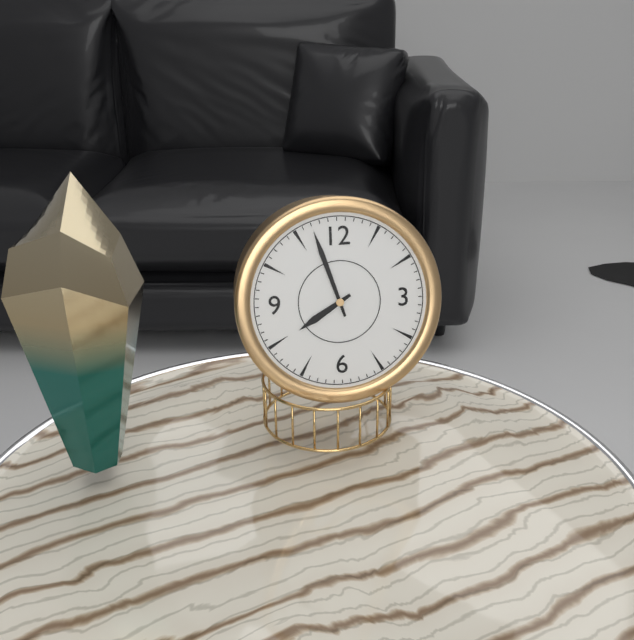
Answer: 7,57
